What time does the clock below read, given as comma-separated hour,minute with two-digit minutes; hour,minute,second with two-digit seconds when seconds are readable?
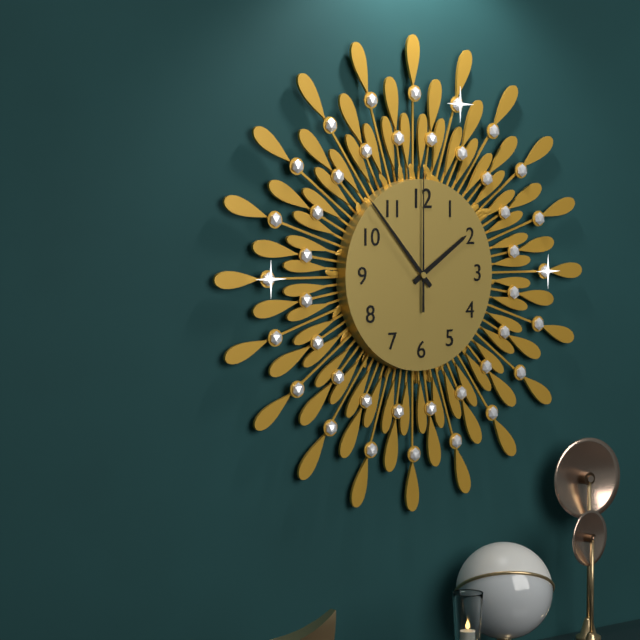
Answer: 1,53,00
